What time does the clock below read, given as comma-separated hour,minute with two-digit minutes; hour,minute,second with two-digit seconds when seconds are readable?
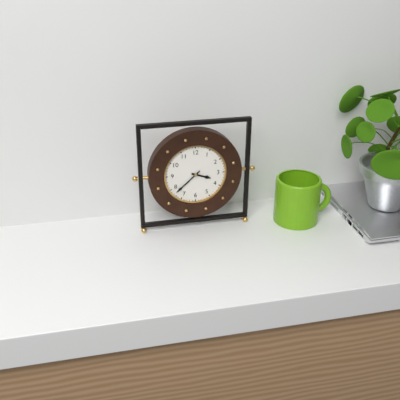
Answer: 3,38
